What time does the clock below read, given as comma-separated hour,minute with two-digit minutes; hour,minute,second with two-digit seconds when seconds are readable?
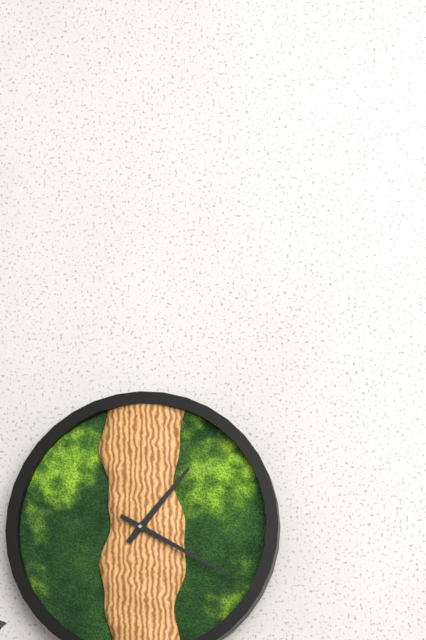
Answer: 1,20
